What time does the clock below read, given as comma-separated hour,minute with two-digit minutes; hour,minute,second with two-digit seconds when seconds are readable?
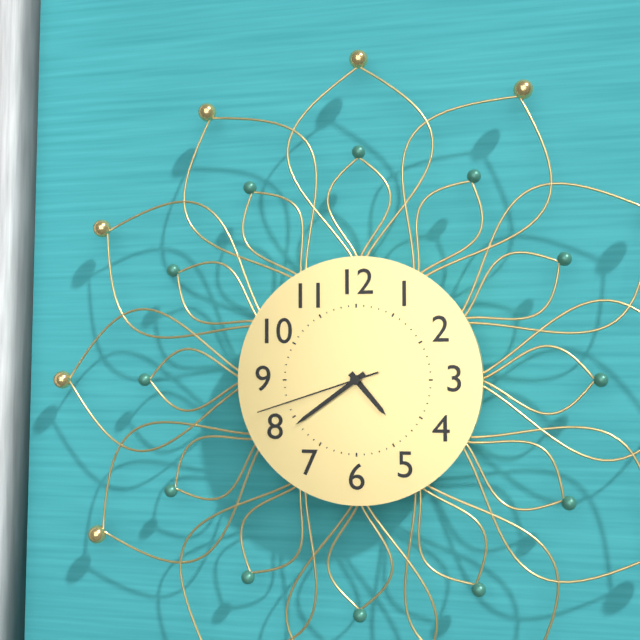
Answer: 4,39,42
